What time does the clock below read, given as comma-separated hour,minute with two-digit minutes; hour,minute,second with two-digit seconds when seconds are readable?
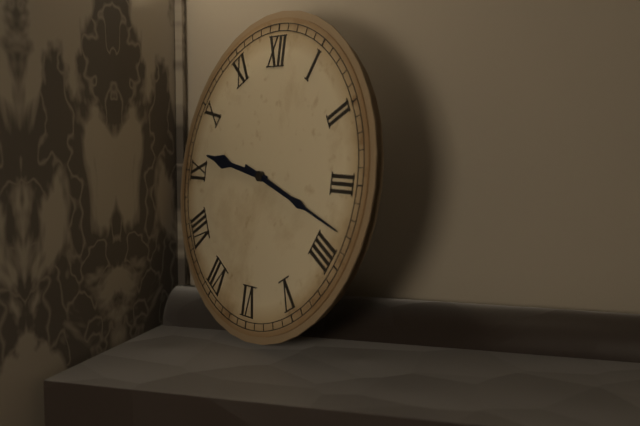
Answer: 9,18
